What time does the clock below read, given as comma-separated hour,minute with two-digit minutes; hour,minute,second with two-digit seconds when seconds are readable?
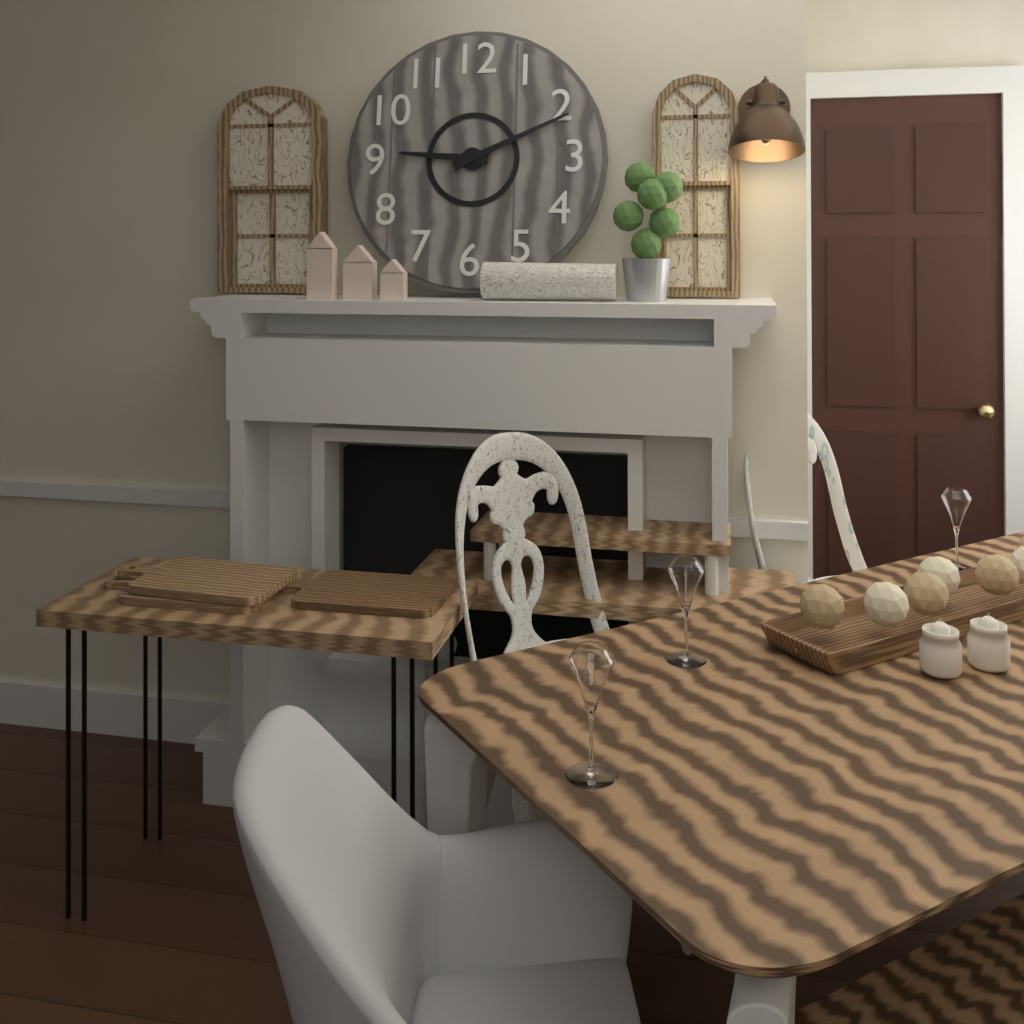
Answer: 9,11
